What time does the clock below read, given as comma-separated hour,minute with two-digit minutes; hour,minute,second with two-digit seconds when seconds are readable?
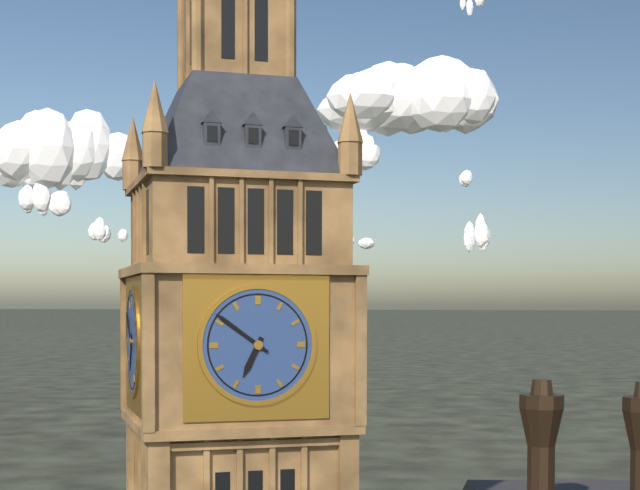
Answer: 6,51
